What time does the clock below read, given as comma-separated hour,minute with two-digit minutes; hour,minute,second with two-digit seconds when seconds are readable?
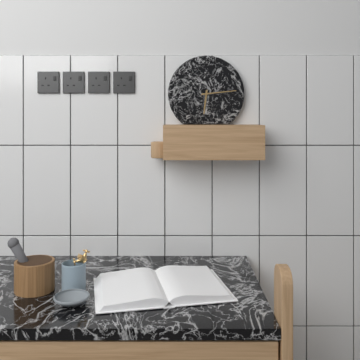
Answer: 6,14
